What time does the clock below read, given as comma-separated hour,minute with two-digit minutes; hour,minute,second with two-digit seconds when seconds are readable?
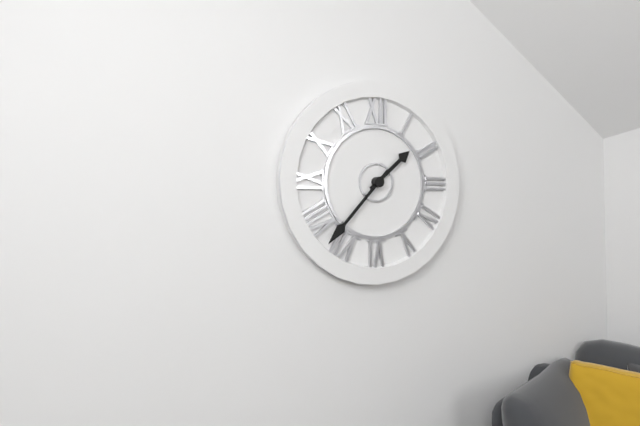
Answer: 1,37
